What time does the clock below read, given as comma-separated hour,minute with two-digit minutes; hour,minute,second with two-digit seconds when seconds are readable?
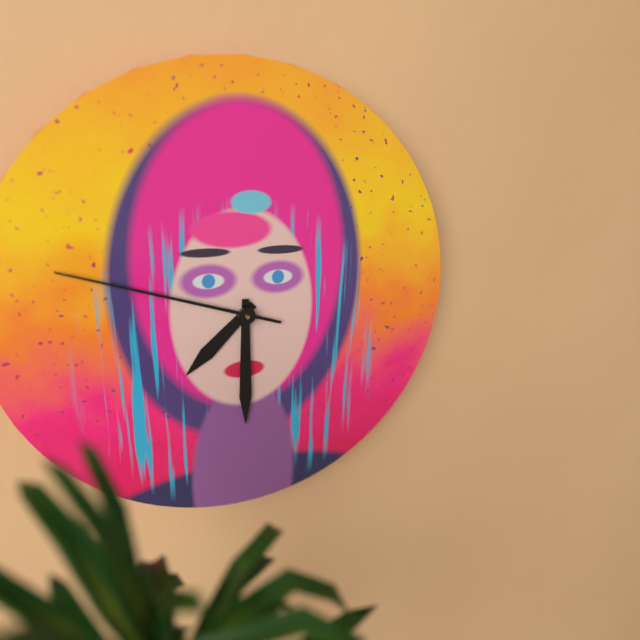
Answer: 7,30,48
